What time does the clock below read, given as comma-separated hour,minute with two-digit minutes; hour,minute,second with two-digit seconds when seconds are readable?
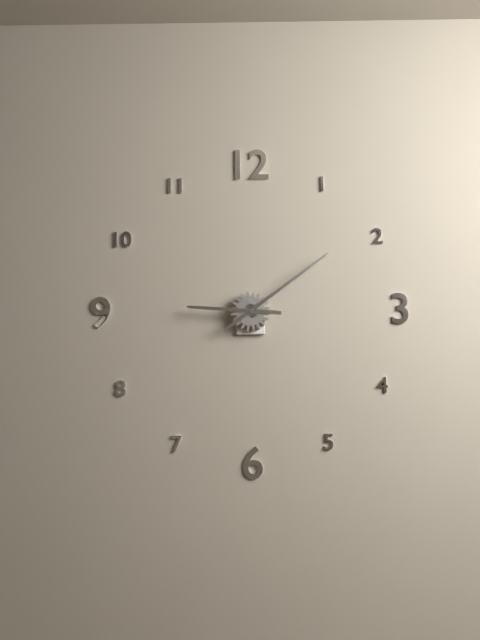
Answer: 9,09
